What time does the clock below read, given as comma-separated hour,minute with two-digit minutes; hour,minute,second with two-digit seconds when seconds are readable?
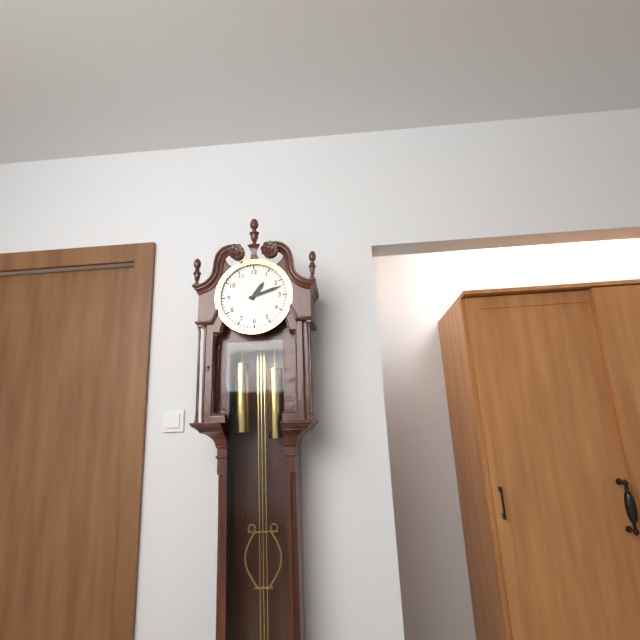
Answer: 1,12
